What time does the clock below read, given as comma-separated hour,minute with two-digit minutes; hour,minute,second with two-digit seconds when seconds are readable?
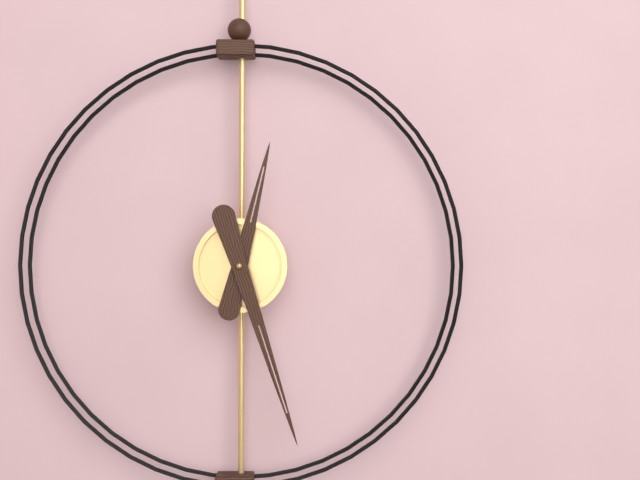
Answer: 12,27
